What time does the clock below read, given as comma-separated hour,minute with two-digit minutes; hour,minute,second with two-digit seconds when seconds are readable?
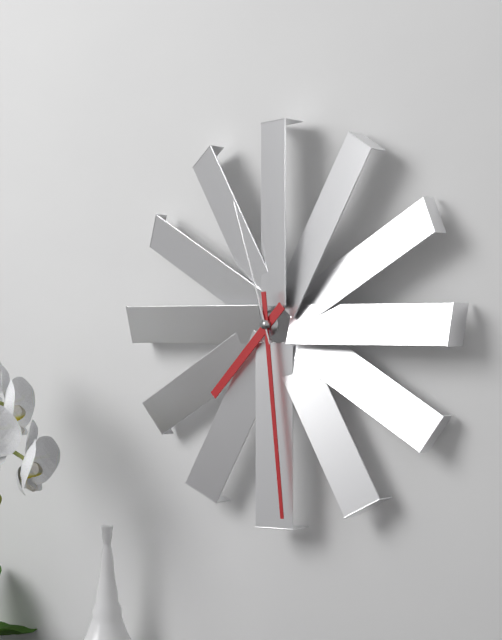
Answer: 7,29,57
